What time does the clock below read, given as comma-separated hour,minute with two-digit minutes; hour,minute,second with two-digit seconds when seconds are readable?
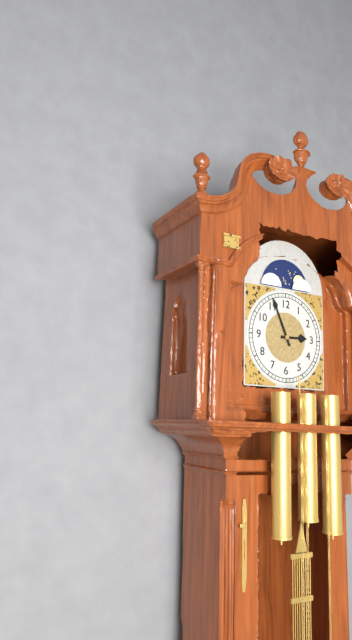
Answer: 2,56
